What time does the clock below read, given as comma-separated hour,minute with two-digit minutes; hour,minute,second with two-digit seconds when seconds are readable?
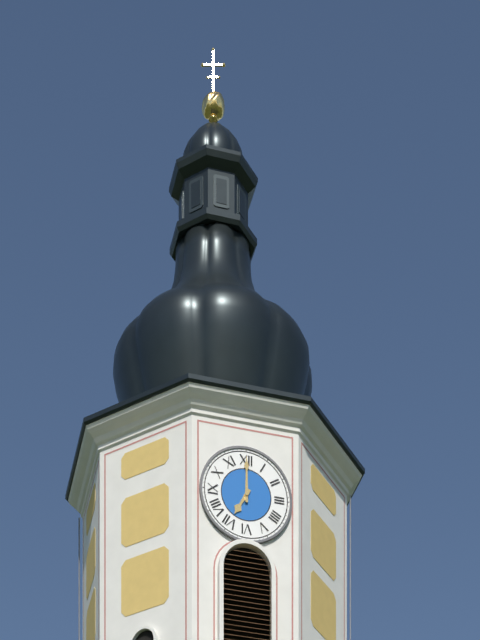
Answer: 7,00
